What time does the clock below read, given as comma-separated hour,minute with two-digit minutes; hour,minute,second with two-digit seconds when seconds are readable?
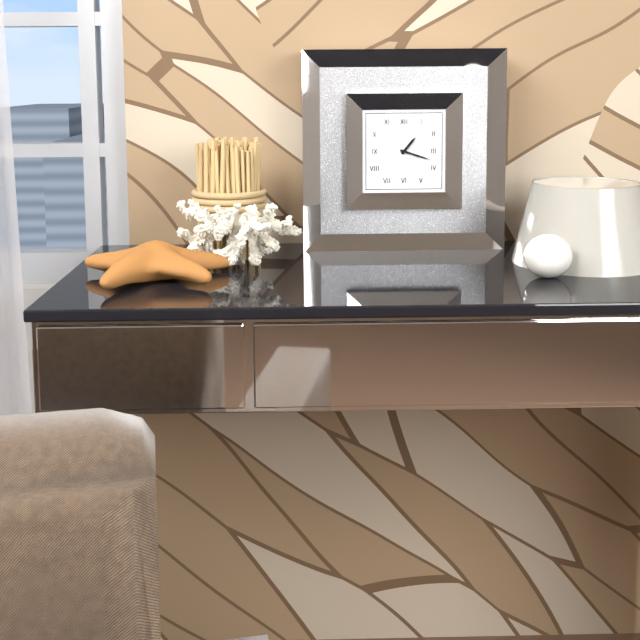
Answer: 1,18
